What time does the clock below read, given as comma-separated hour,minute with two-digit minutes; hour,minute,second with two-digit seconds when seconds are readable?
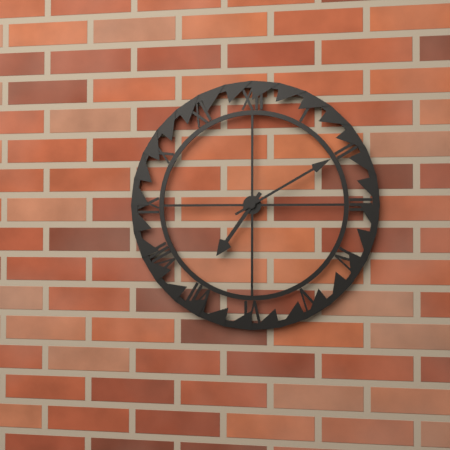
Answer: 7,10
